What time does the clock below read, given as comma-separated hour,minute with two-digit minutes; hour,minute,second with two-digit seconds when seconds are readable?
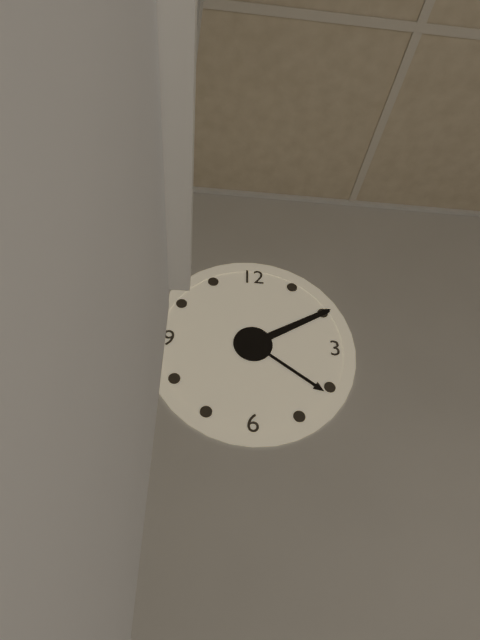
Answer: 4,10
